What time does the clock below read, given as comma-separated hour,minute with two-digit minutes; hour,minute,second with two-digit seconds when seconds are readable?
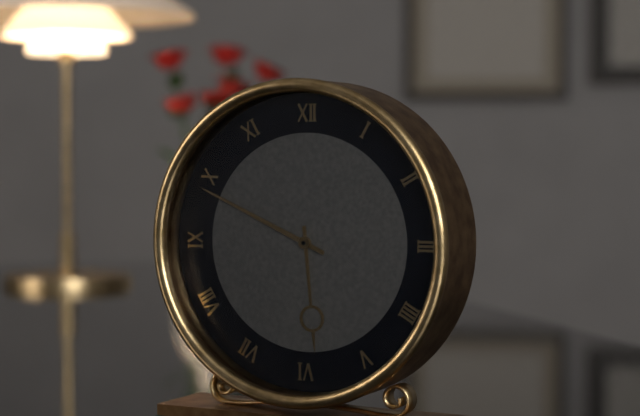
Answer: 5,49
